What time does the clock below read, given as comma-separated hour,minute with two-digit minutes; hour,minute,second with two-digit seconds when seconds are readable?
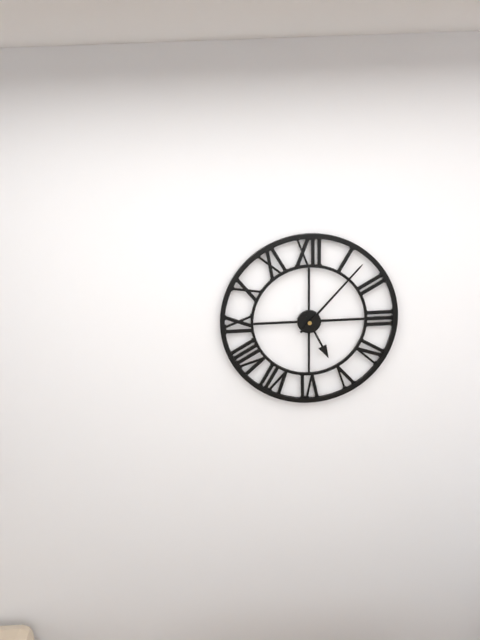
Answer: 5,07
